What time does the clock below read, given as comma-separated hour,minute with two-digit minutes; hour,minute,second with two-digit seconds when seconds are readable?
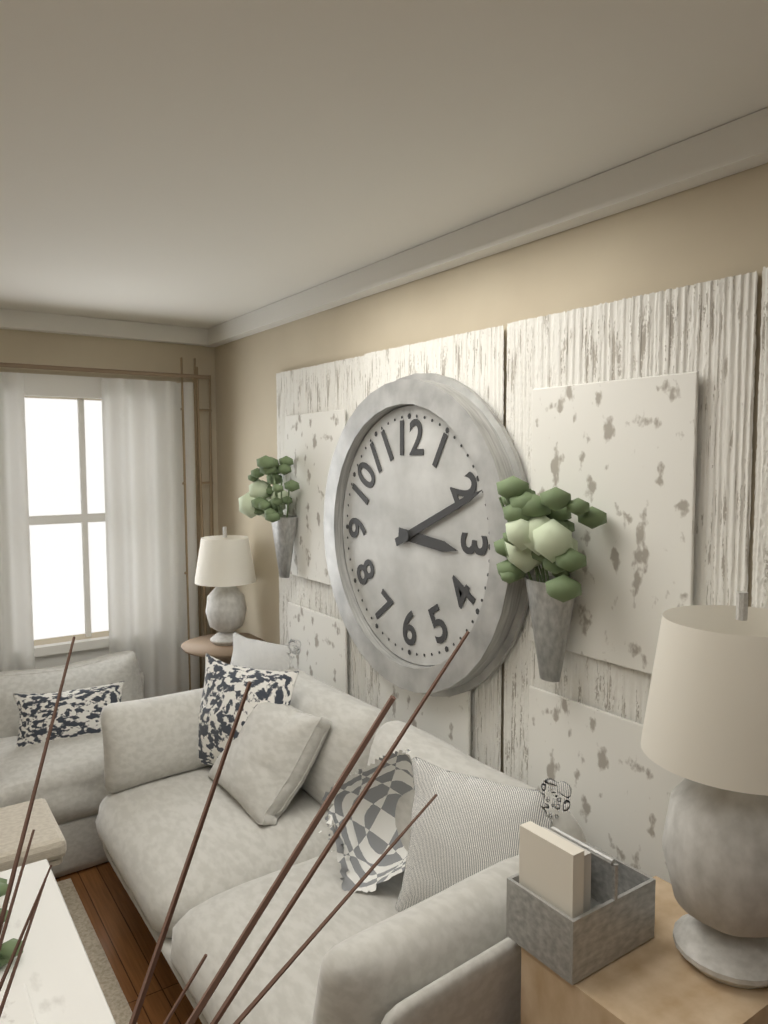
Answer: 3,11
